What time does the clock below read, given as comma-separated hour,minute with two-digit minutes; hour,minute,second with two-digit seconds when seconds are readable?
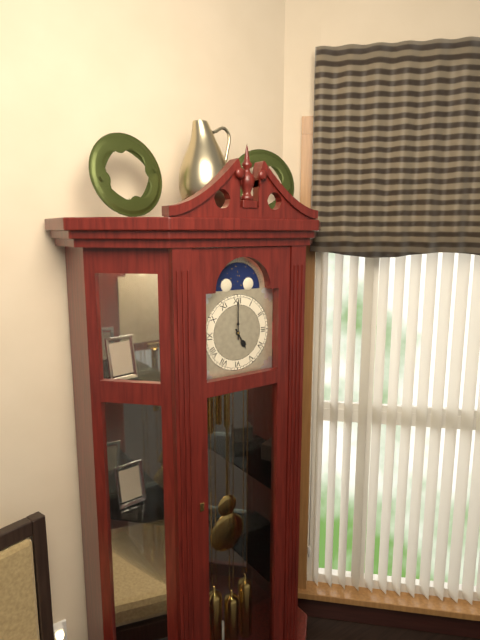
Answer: 5,00
